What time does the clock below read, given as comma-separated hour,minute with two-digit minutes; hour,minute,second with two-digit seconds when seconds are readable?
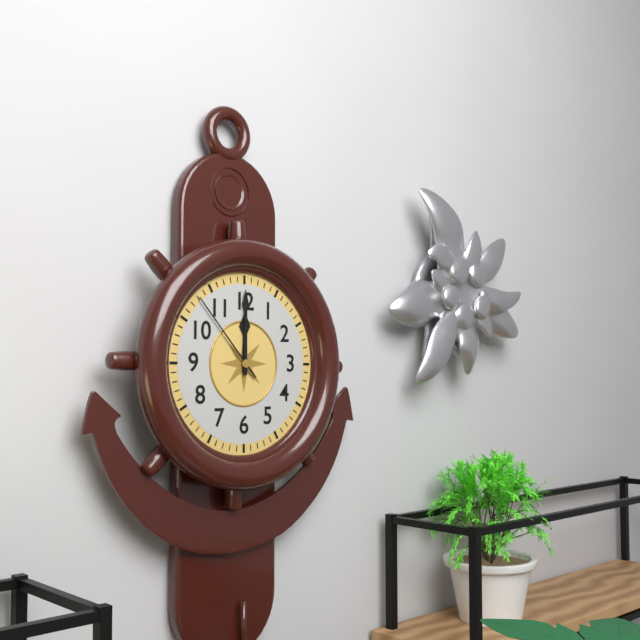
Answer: 12,00,53
